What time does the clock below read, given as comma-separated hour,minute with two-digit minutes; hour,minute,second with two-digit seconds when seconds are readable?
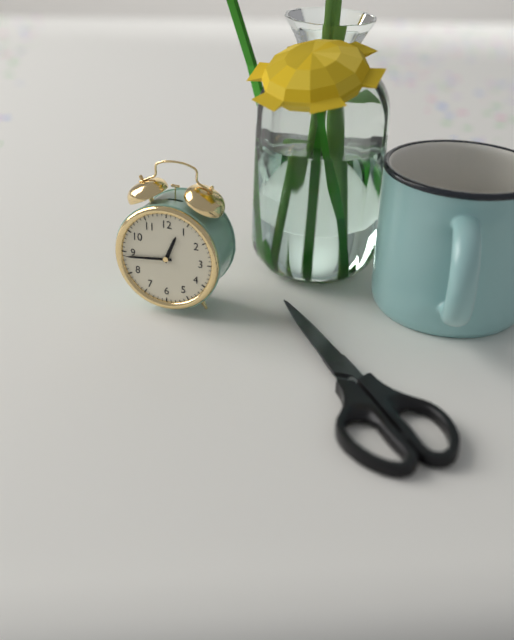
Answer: 12,44
